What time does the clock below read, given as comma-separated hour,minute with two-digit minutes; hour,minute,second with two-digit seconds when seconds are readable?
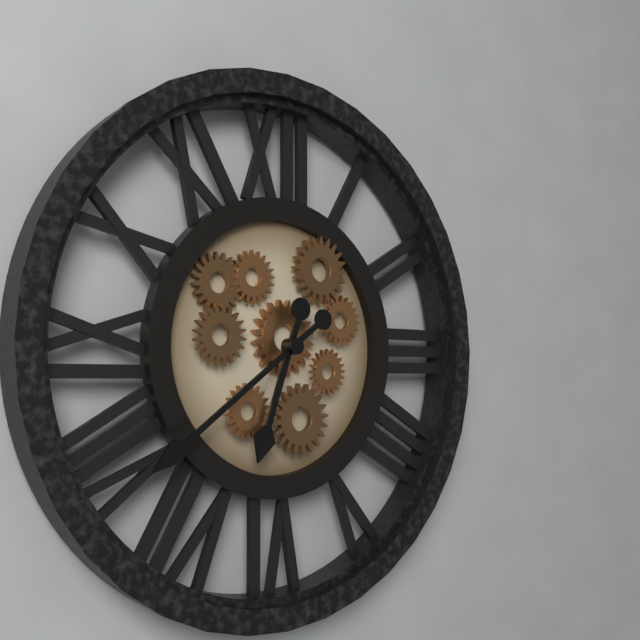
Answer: 6,39
